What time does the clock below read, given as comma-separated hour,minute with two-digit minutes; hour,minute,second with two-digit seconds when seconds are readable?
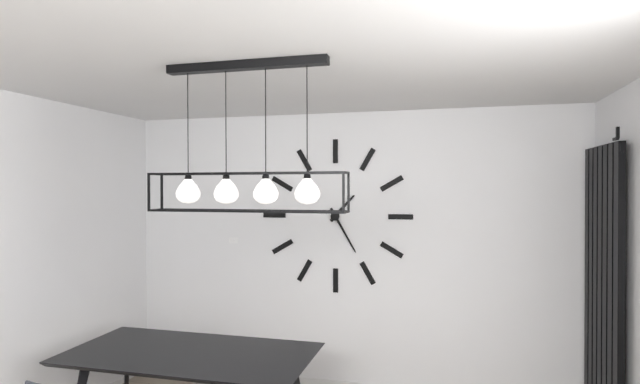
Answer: 1,25
